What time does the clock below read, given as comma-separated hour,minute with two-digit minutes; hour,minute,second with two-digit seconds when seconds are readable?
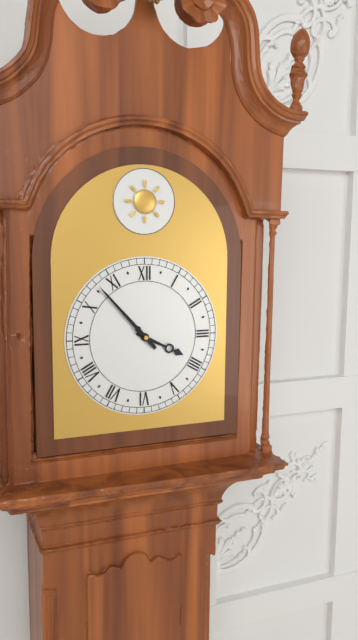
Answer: 3,53
